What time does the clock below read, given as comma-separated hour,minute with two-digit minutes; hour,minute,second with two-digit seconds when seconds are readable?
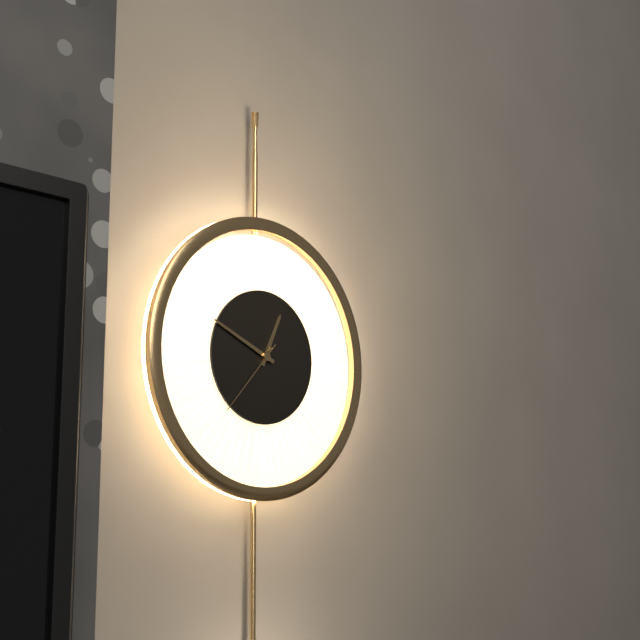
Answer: 12,49,37
